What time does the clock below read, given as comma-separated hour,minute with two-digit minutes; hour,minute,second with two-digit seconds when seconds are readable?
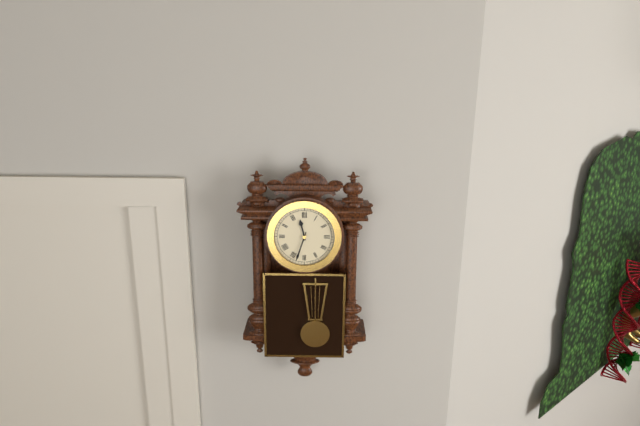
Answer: 11,33
